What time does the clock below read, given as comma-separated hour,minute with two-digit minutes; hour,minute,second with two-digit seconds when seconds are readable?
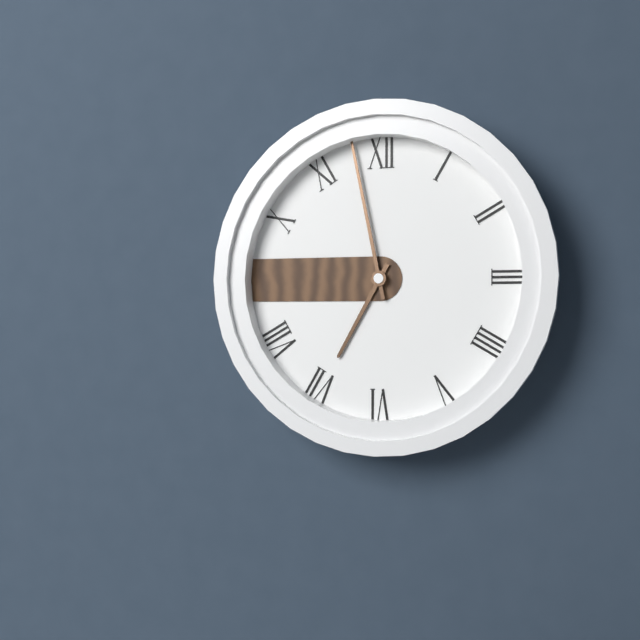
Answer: 6,58
